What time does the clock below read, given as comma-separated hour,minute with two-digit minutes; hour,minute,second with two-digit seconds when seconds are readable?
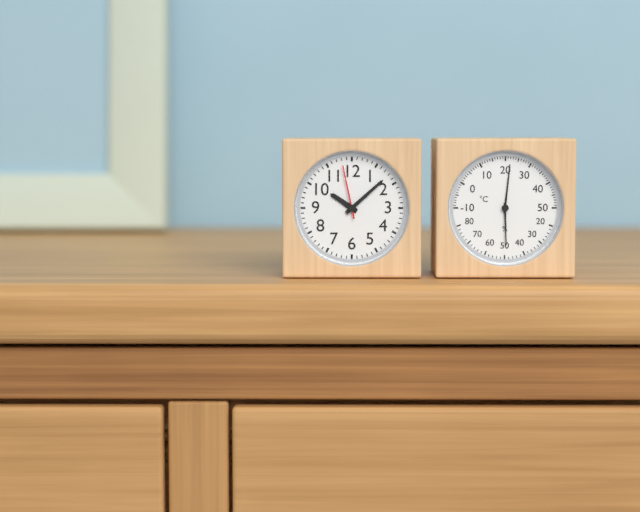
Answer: 10,08,58
